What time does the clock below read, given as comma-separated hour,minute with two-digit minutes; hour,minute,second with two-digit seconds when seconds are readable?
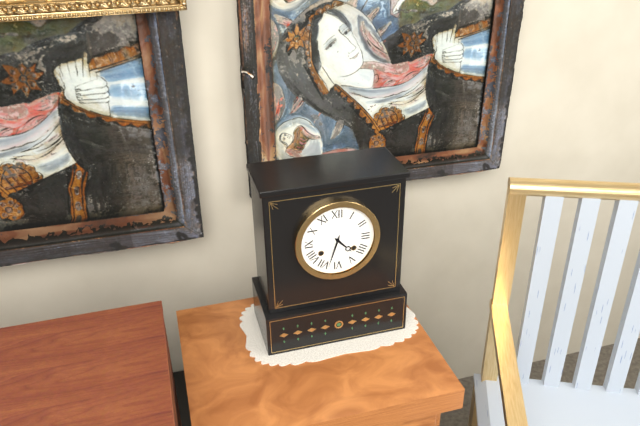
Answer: 4,33
